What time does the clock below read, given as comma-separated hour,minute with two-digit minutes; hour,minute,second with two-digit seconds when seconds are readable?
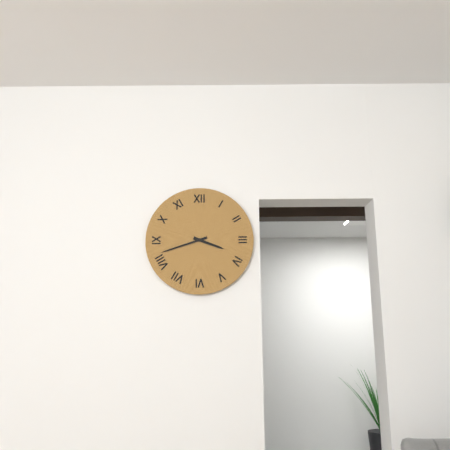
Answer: 3,42
